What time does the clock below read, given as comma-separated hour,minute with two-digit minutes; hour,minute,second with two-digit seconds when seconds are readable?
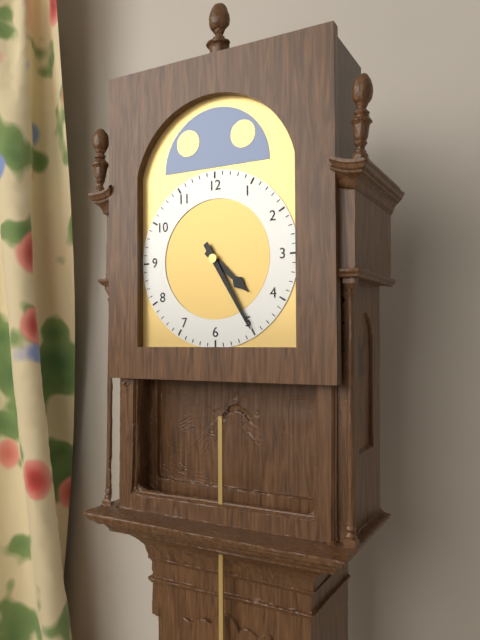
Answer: 4,25
